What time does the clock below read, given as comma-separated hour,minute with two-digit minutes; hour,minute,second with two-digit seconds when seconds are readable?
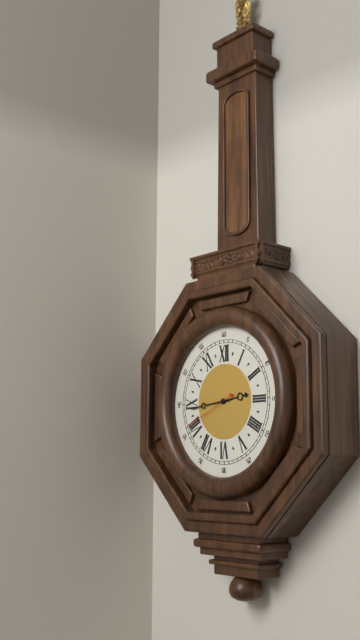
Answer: 2,44,41
